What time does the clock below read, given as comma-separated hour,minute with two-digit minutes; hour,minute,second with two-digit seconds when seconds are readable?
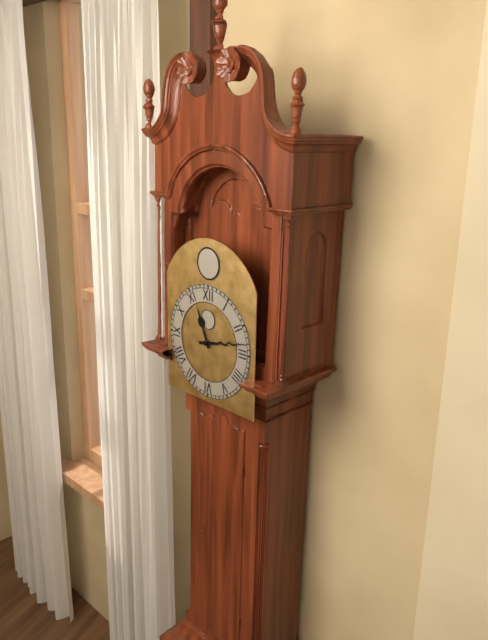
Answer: 11,13
